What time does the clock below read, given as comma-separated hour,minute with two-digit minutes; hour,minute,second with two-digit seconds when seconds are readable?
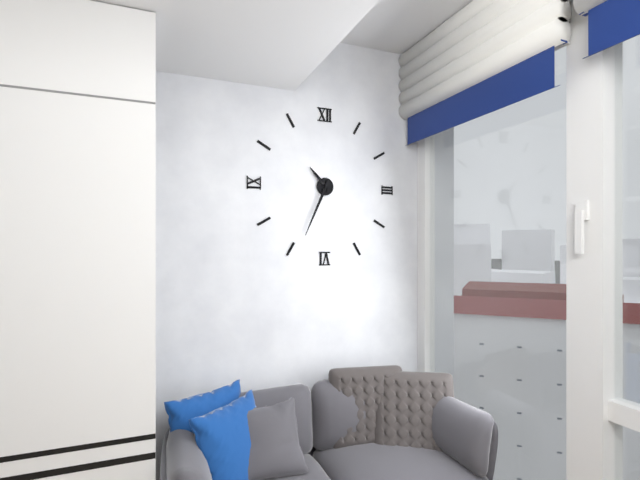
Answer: 10,34
